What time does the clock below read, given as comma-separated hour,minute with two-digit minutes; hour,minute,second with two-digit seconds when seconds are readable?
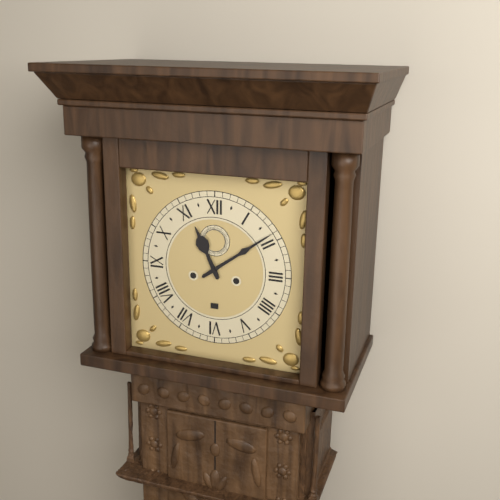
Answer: 11,09
